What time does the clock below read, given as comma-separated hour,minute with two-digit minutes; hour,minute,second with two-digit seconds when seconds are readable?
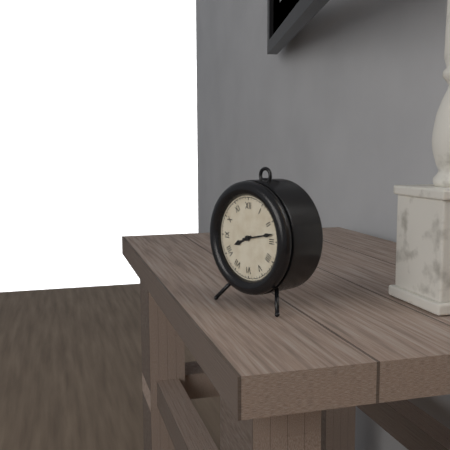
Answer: 8,13
